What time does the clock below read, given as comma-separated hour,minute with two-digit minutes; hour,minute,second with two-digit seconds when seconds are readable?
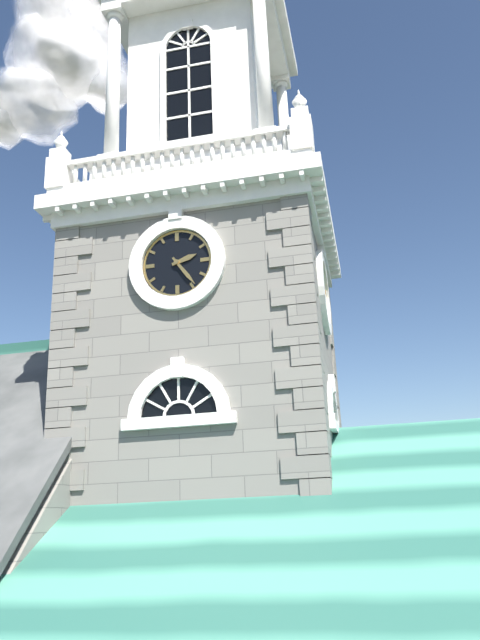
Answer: 2,24
